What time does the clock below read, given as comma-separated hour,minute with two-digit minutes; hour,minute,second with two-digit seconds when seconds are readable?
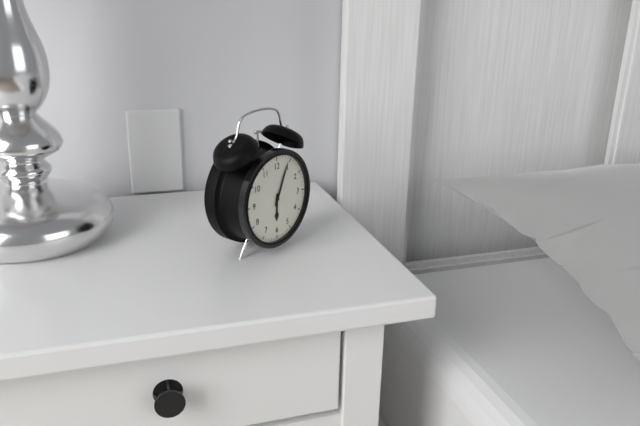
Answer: 6,04
